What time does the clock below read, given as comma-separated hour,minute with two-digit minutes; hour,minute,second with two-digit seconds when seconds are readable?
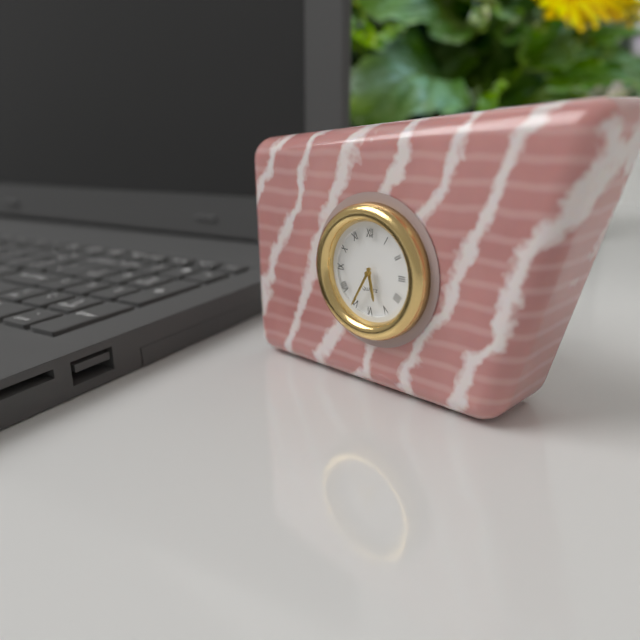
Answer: 5,35
